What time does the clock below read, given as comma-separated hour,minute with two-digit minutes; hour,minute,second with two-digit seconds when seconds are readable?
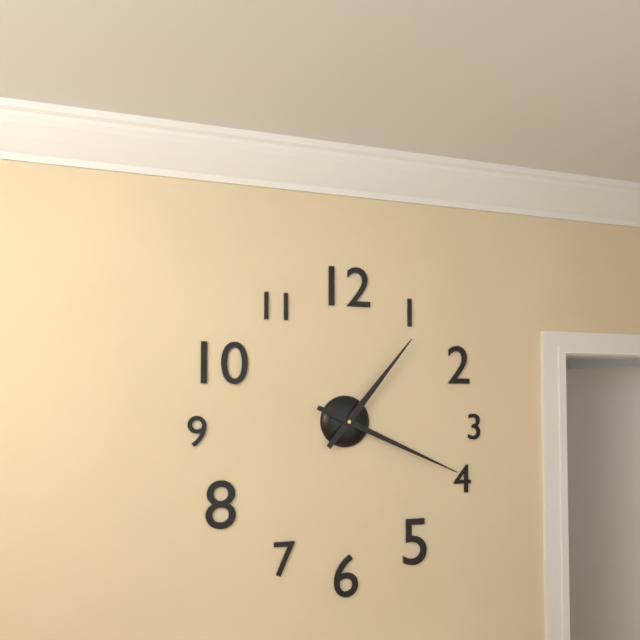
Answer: 1,19
